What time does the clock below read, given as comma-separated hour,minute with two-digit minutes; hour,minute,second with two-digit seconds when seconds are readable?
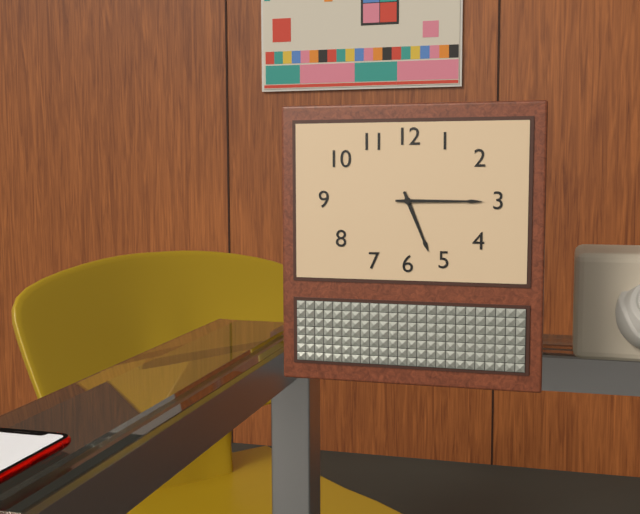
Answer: 5,15
